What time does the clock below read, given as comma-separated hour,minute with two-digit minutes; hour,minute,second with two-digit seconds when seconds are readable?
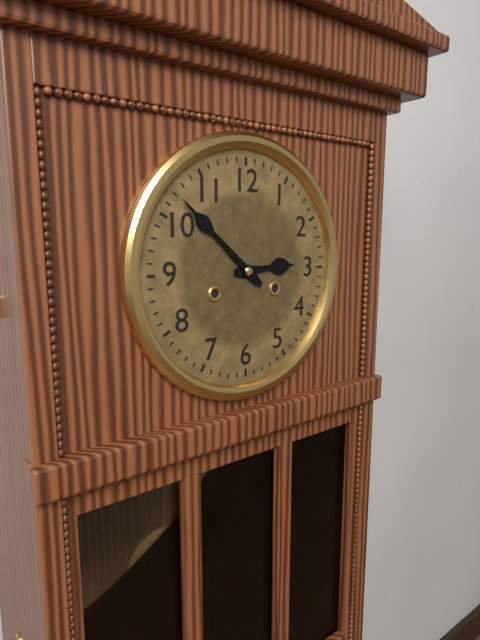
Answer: 2,52
